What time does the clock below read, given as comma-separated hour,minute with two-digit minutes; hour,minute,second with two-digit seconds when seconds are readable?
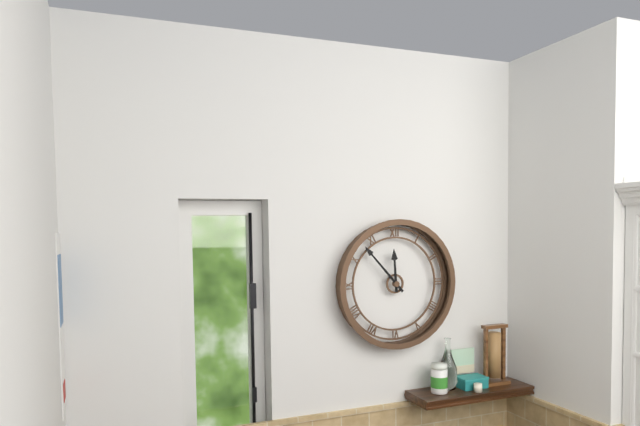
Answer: 11,53
